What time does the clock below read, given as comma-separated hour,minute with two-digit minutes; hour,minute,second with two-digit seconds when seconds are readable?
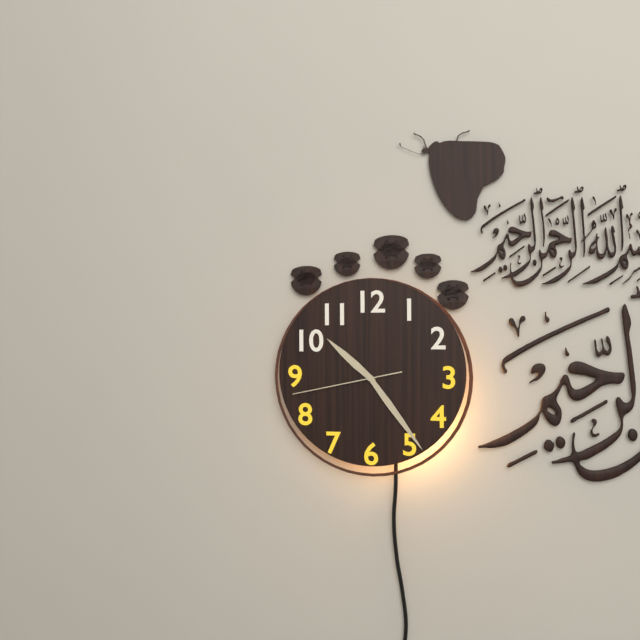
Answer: 10,24,43
